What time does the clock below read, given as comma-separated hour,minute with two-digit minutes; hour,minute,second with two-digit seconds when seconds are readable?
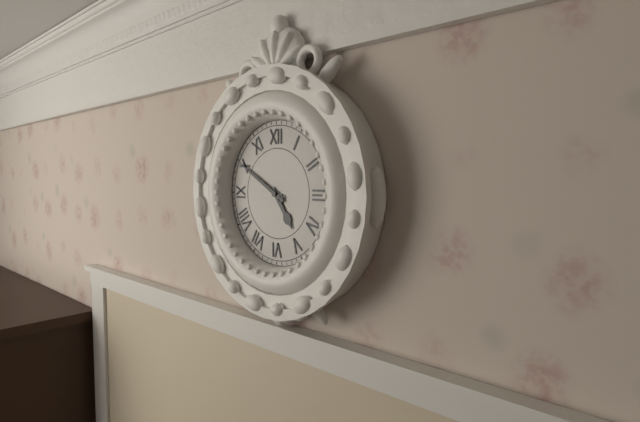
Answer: 4,50
